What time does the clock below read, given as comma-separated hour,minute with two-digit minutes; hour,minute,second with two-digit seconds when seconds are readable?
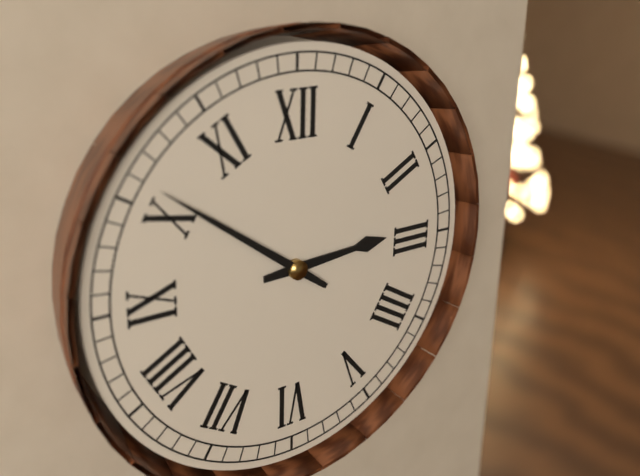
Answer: 2,51
